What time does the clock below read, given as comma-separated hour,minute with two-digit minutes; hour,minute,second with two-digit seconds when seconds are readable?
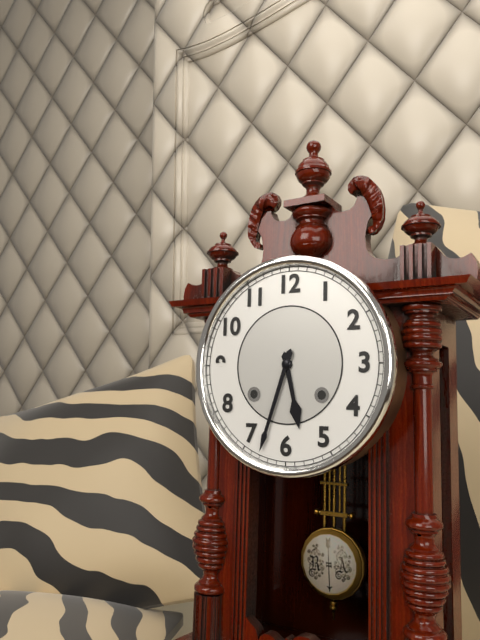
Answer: 5,33
